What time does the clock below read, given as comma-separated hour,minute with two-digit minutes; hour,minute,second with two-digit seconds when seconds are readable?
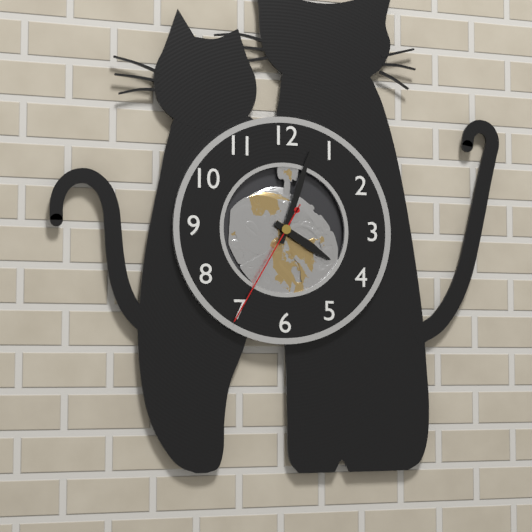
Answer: 4,03,35
